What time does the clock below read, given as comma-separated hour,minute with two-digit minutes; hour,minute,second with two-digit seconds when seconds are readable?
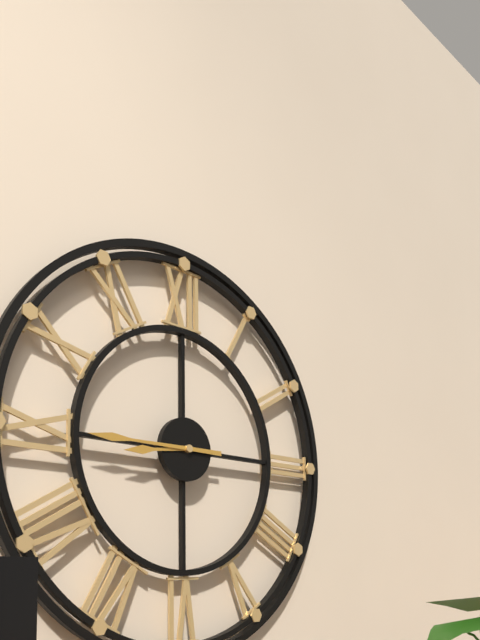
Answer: 8,45
